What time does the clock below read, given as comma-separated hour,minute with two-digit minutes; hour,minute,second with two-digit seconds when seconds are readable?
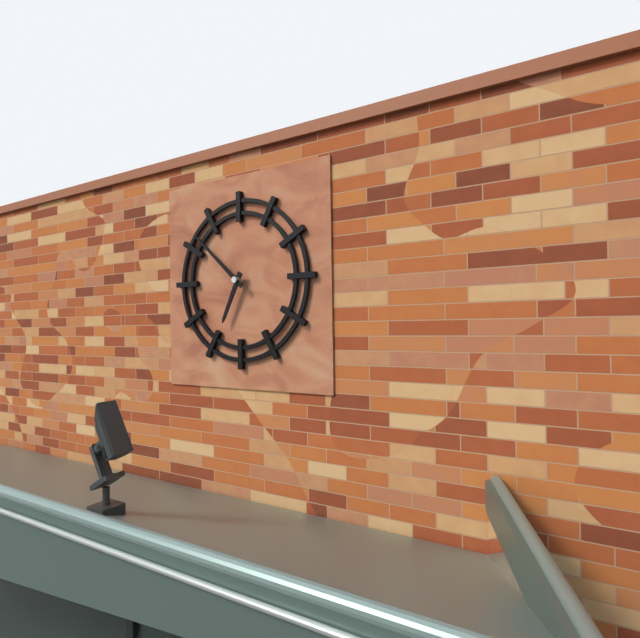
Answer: 6,52
